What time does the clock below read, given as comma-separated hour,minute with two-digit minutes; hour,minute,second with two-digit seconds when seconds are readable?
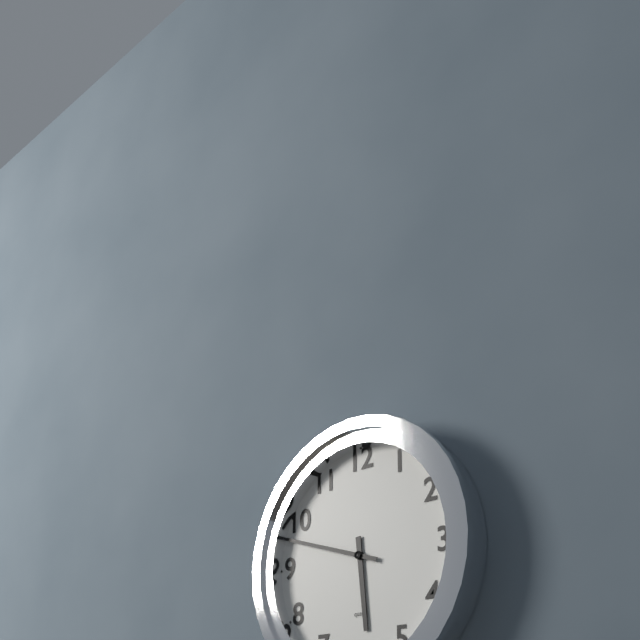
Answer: 5,48
